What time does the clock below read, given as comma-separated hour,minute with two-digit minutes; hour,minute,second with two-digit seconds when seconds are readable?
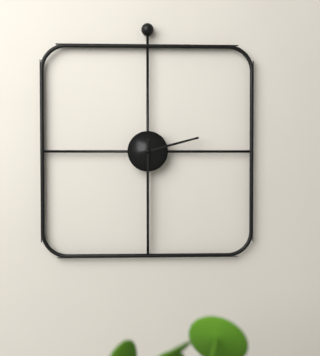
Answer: 2,30
